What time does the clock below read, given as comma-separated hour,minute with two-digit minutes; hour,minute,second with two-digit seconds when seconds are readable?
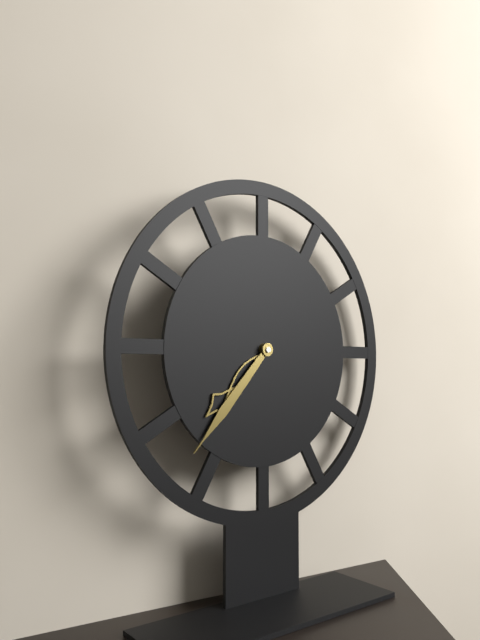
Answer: 7,37
